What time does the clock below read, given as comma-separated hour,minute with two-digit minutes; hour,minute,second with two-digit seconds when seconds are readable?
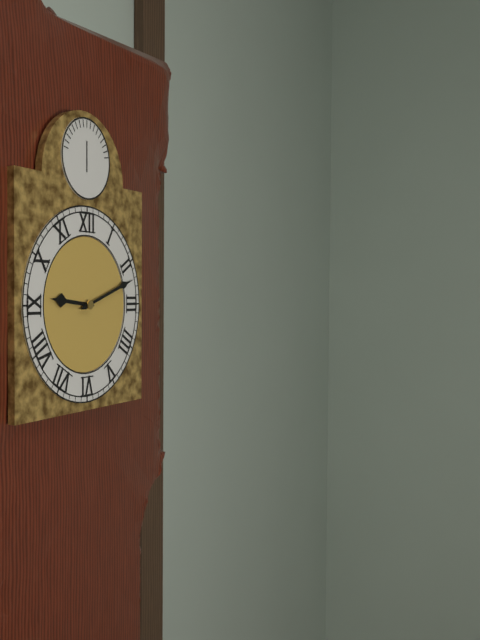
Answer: 9,12
